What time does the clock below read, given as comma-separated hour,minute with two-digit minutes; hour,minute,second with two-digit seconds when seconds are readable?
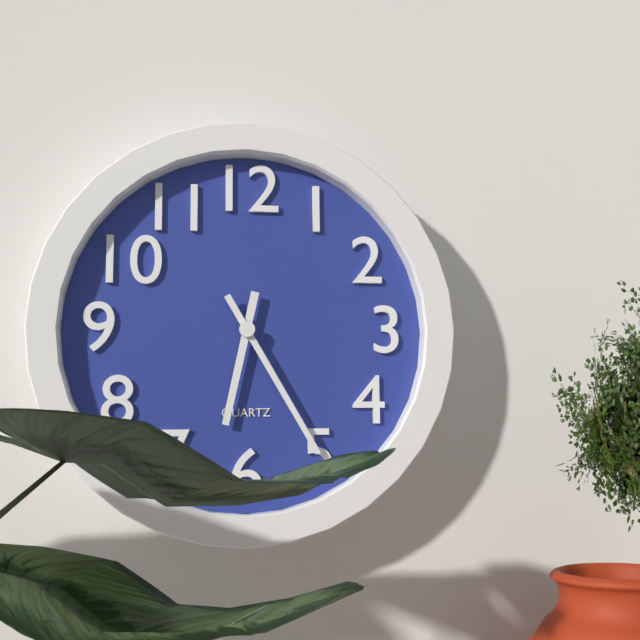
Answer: 6,25
